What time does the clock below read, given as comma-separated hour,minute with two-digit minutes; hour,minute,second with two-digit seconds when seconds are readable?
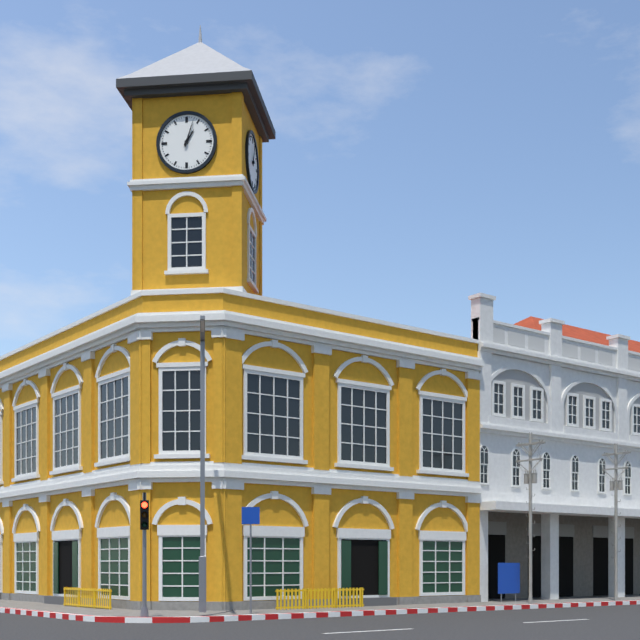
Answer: 1,03
